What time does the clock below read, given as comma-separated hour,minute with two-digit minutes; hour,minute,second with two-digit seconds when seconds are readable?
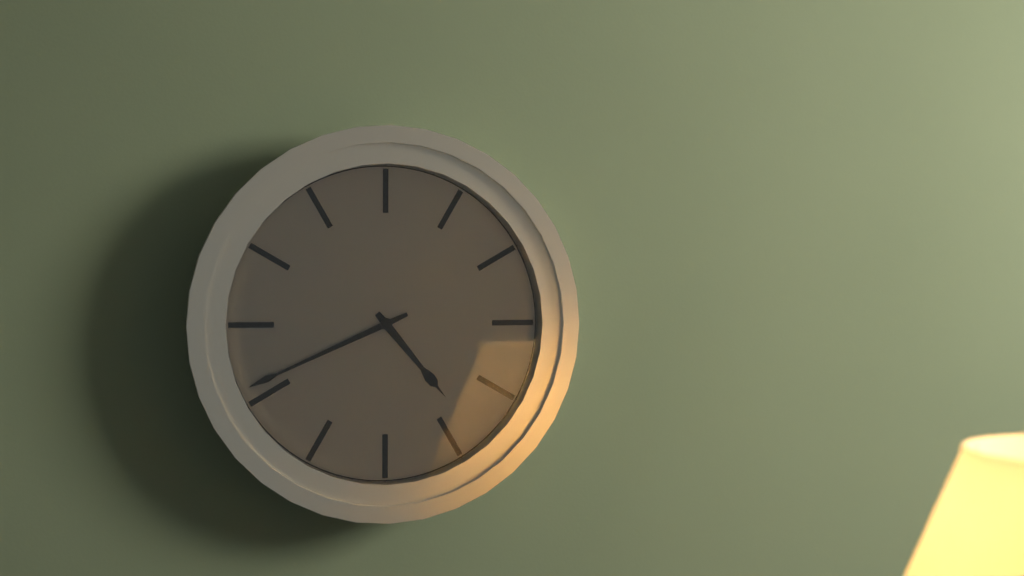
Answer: 4,41
